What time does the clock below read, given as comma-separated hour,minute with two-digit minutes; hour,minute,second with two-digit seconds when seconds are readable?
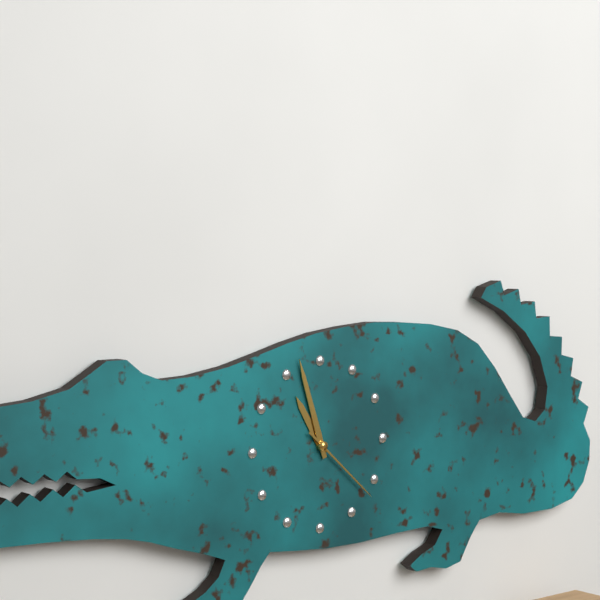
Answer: 10,57,22
